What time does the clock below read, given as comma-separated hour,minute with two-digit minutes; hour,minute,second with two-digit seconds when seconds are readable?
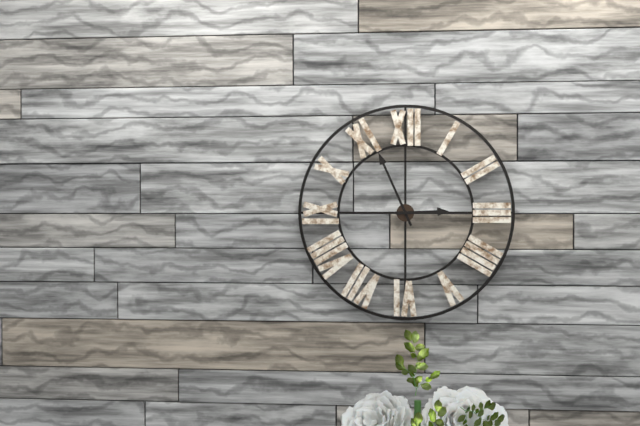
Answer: 2,56
